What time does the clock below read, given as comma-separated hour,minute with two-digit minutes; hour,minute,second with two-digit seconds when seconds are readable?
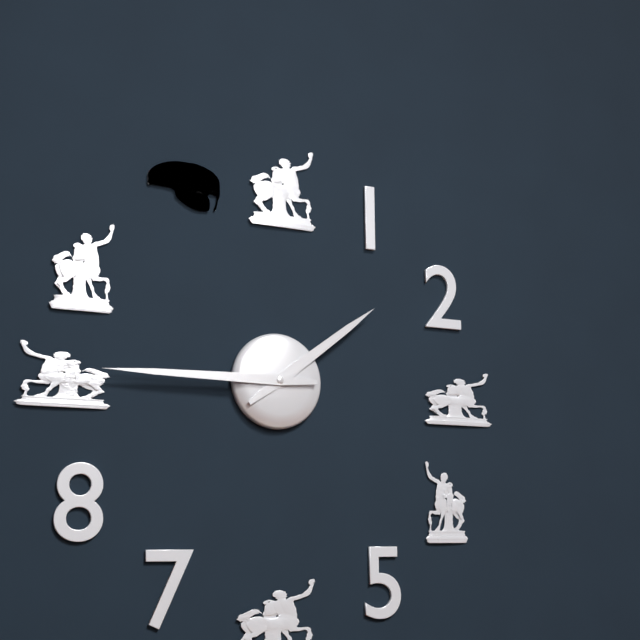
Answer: 1,45
